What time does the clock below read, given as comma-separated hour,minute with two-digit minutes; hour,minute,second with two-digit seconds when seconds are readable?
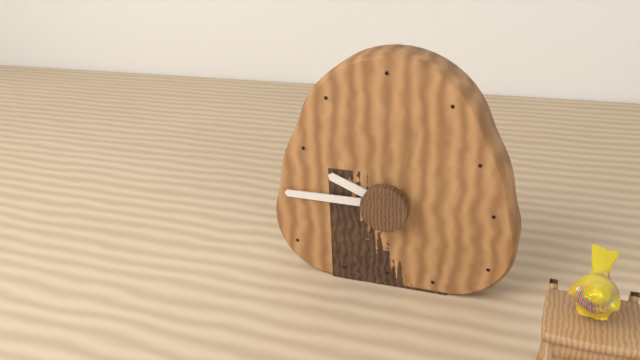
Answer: 9,45
